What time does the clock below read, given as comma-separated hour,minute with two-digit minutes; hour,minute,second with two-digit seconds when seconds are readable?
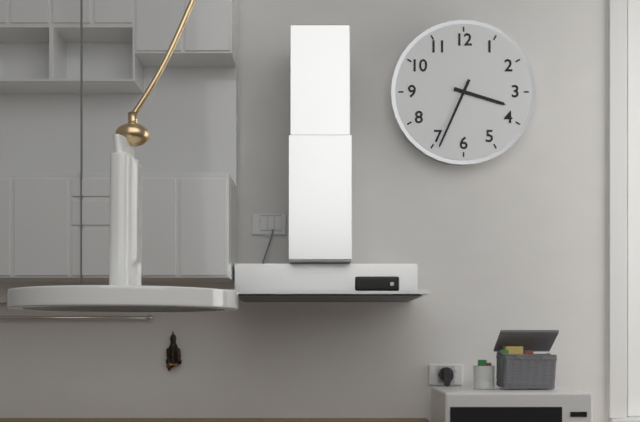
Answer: 3,34
